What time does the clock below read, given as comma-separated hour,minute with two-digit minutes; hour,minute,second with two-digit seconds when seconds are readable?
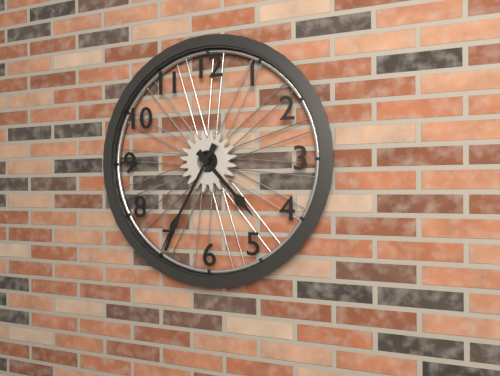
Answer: 4,35
